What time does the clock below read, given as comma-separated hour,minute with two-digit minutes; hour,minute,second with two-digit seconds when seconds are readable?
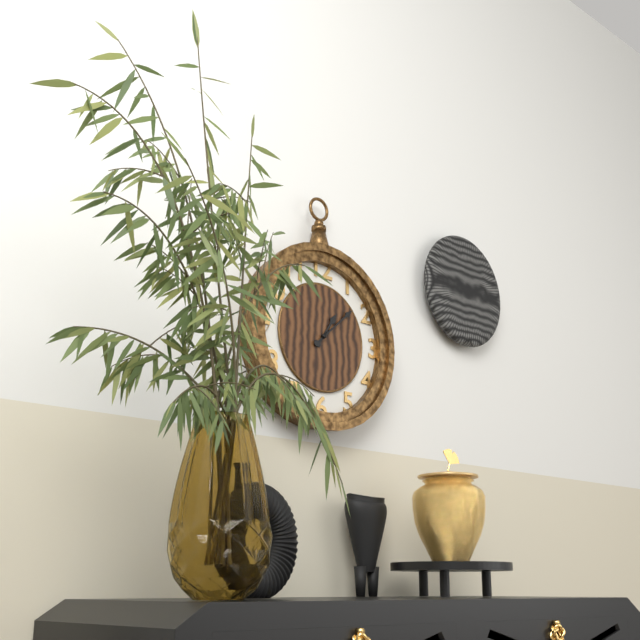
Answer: 1,08
